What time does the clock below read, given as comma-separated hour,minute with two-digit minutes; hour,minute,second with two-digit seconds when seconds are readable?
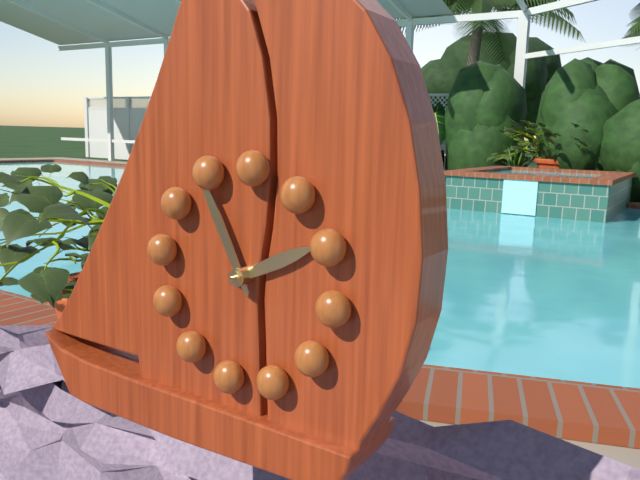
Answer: 1,54
